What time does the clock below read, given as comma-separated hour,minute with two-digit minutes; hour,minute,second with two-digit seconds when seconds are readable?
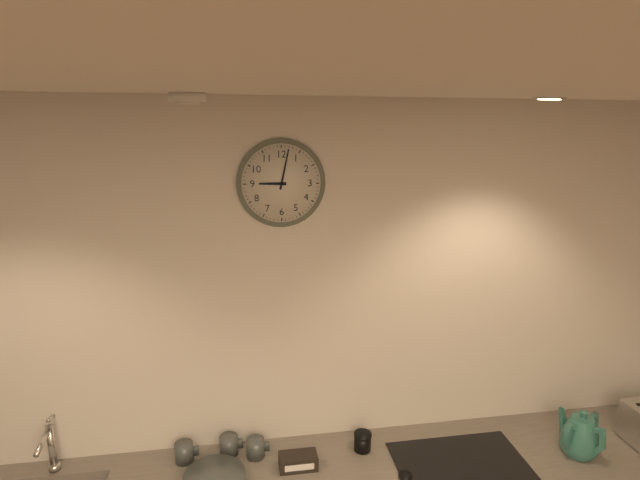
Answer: 9,02
